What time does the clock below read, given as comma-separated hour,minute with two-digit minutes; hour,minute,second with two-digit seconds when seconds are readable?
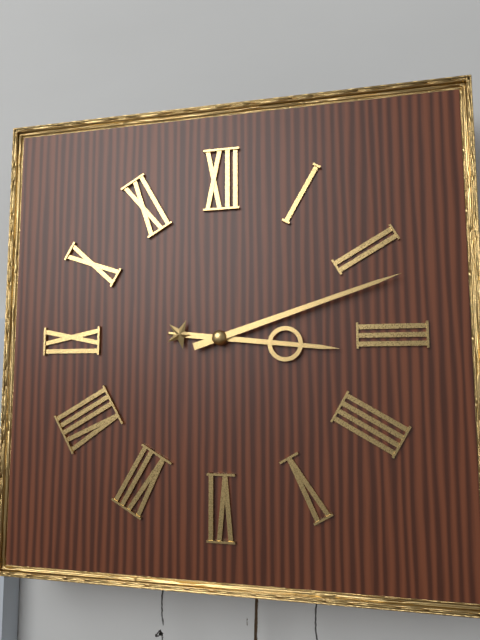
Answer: 3,12
